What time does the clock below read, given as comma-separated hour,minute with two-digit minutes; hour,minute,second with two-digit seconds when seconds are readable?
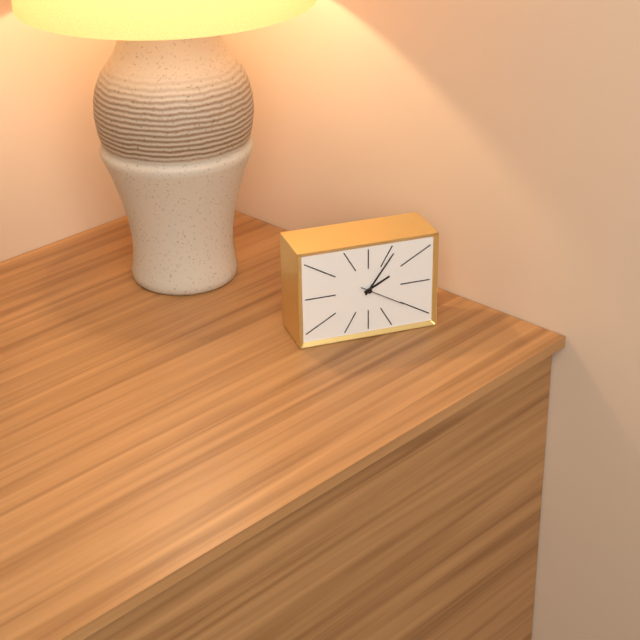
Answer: 2,06
